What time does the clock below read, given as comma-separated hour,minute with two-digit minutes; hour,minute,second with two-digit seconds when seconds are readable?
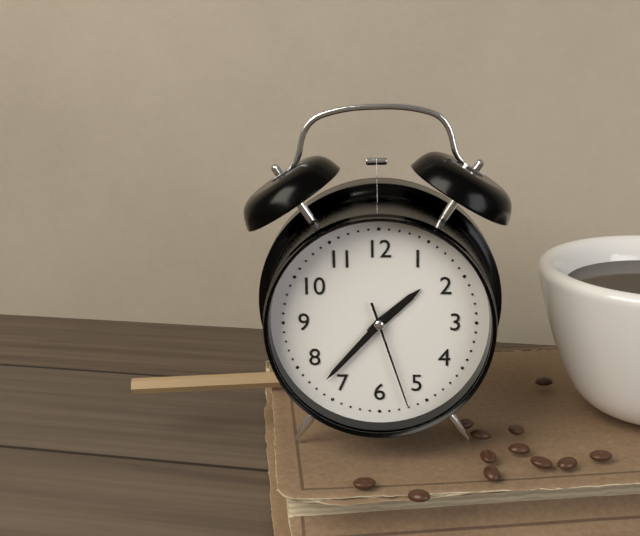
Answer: 1,37,27
